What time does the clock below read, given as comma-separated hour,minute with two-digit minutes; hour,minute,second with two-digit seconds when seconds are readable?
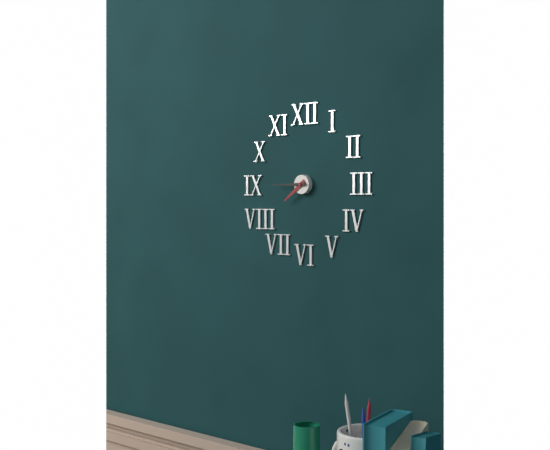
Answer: 7,45
